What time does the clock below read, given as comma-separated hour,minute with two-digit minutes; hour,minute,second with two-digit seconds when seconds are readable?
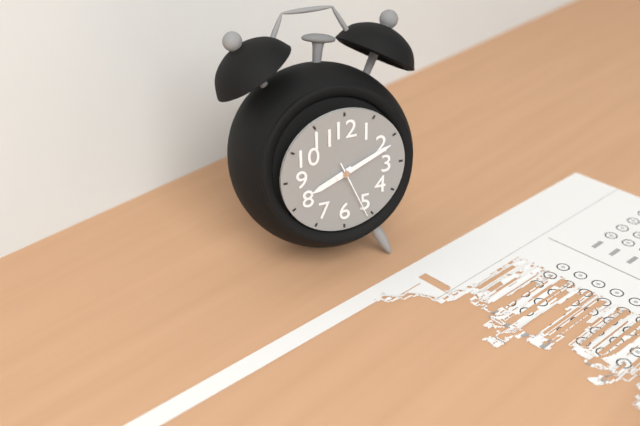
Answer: 8,11,26
